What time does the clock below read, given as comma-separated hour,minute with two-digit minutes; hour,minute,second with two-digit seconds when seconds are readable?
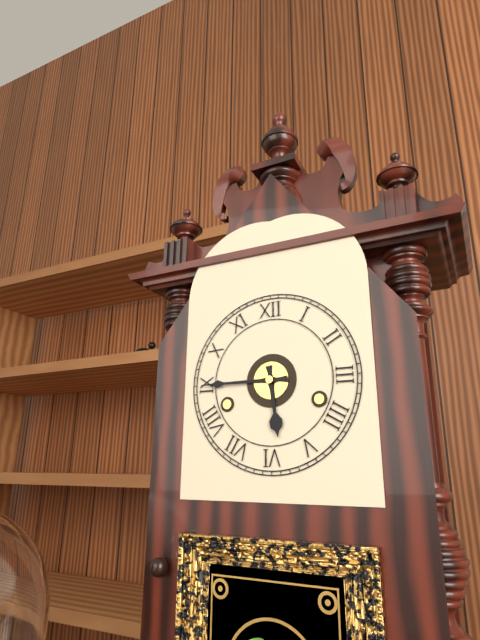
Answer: 5,45
